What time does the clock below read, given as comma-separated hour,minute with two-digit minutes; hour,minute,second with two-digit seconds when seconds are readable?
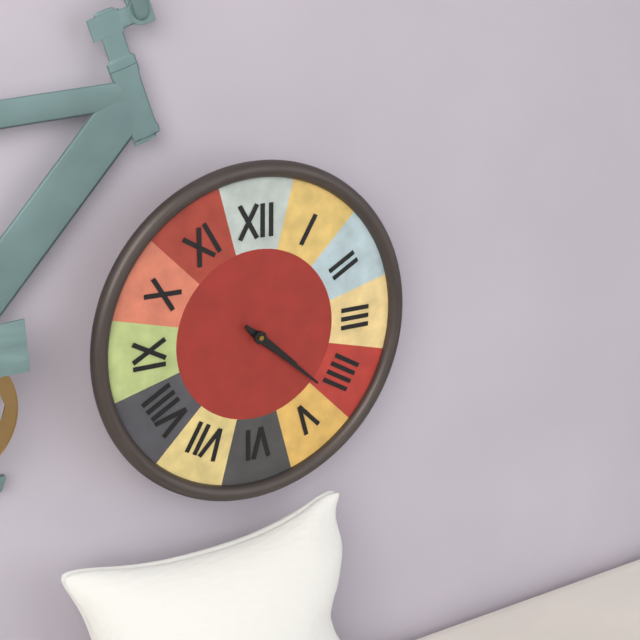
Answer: 4,22
